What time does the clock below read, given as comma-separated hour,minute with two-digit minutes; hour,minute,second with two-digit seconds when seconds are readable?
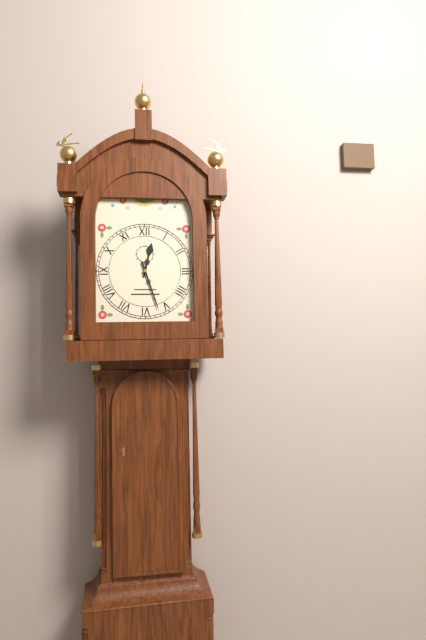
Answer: 12,27
